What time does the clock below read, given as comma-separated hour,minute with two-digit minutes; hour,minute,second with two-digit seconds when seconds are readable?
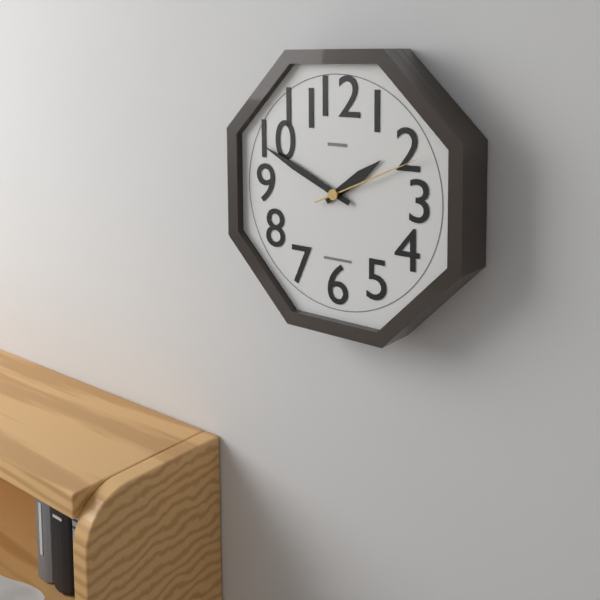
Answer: 1,49,11
